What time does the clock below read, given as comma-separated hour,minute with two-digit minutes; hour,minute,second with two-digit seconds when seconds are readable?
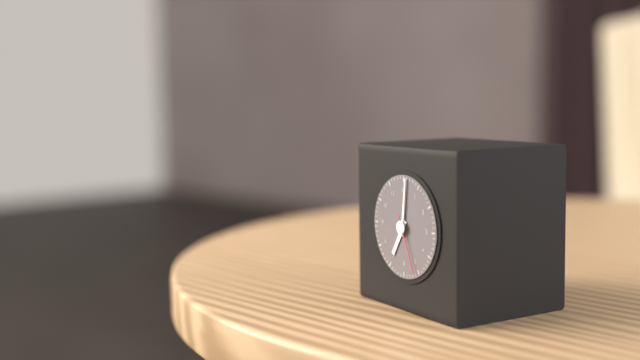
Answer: 7,01,26
